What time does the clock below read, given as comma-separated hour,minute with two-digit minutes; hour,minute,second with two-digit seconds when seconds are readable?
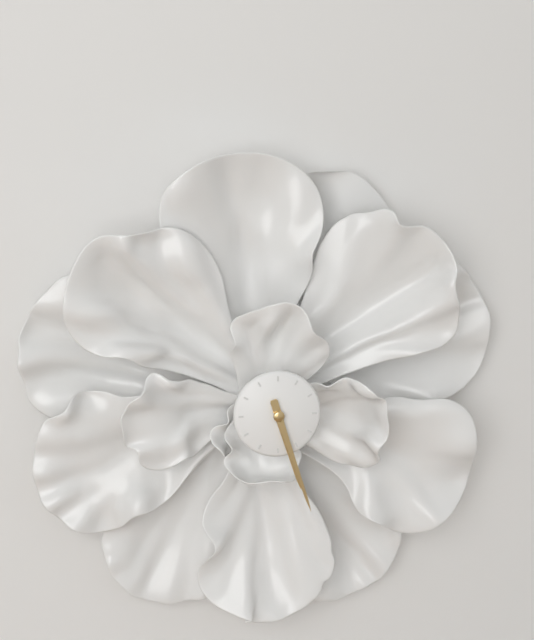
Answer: 5,27
